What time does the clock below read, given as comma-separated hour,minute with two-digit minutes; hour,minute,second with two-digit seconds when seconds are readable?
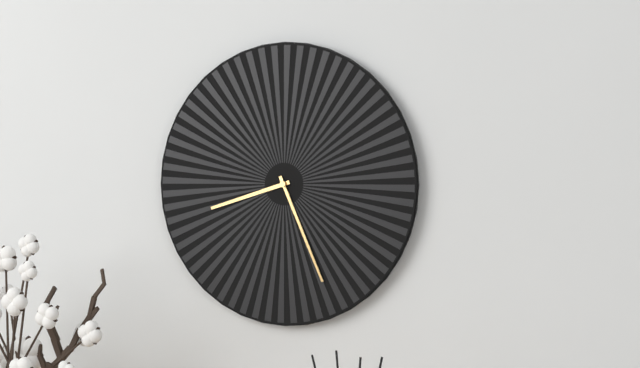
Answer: 8,26
